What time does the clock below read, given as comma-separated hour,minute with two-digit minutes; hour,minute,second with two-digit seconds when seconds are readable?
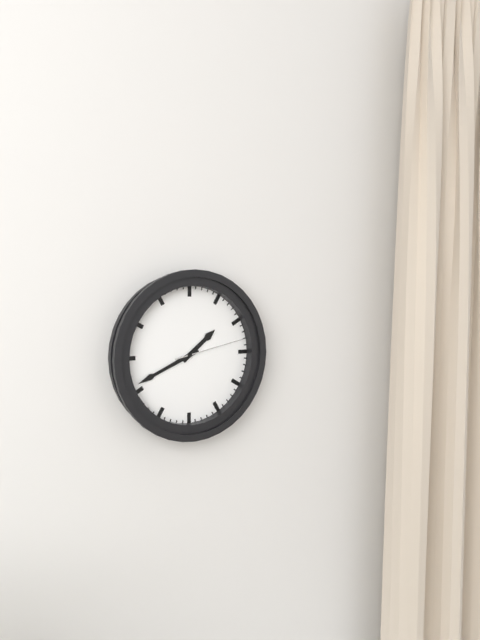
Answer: 1,41,13
